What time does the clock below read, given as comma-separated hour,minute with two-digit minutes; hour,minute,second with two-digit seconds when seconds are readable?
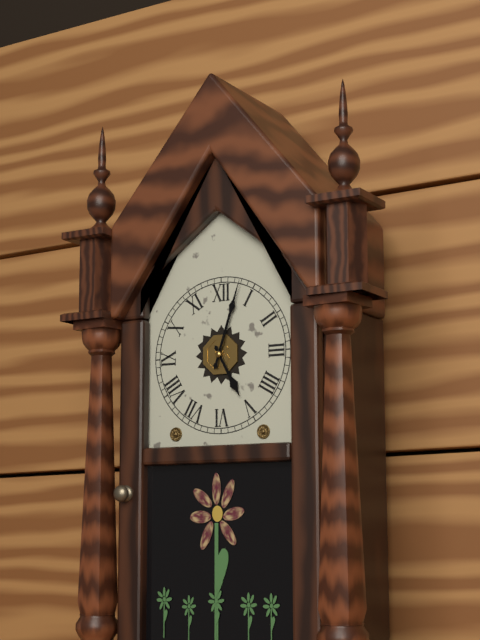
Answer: 5,03
